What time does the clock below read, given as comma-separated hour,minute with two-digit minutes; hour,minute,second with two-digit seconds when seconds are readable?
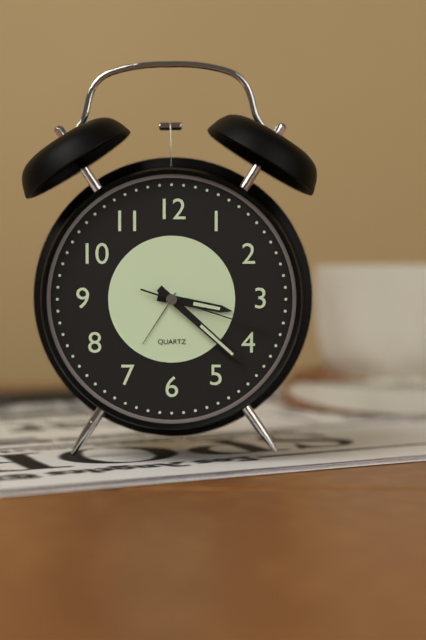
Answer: 3,22,18
